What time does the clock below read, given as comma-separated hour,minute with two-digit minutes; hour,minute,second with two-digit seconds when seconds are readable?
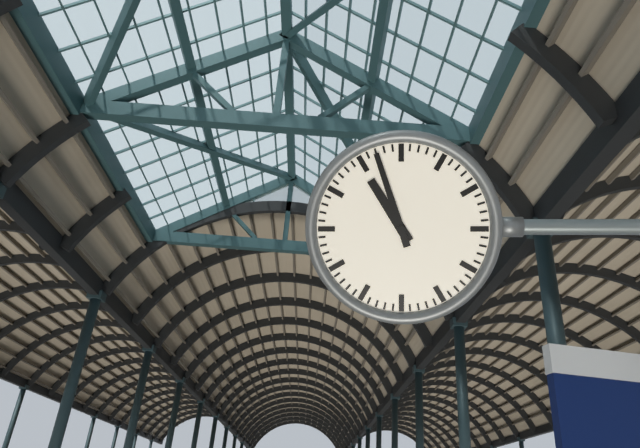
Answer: 10,57
